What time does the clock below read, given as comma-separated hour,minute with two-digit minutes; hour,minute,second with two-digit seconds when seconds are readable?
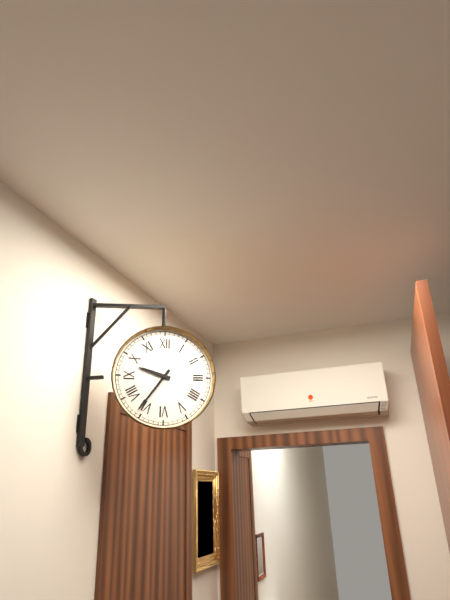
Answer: 9,36
